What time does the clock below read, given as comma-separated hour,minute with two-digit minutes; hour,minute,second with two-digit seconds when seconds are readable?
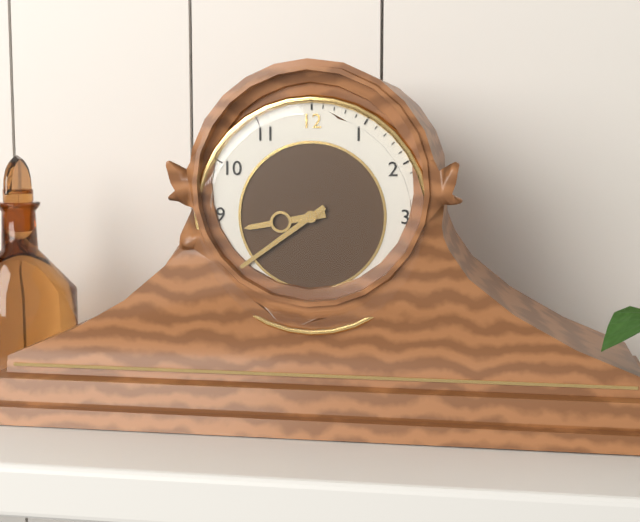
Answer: 8,39
